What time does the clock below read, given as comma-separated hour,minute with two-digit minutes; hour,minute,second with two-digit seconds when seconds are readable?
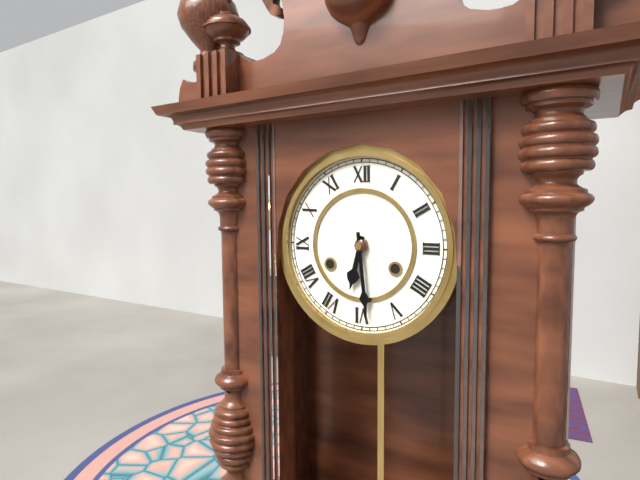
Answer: 6,29
